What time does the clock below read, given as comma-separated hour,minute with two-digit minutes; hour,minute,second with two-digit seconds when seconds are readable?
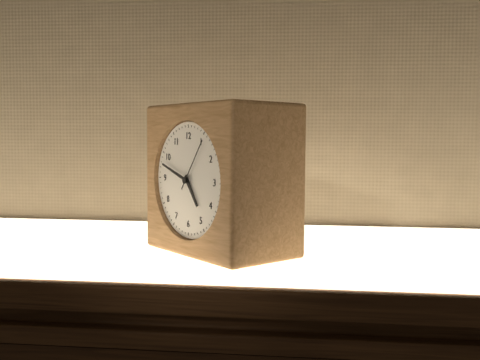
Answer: 4,48,06
